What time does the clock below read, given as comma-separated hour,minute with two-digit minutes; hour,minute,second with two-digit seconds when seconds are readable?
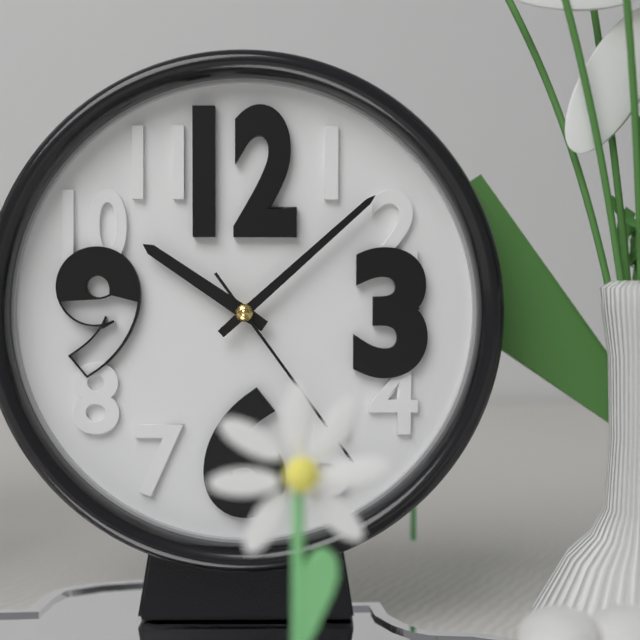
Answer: 10,08
